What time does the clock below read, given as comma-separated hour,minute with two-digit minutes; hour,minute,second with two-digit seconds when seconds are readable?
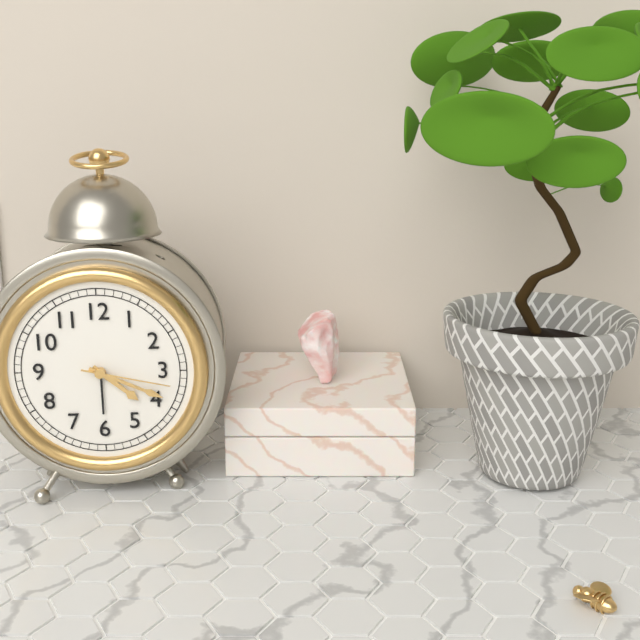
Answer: 4,19,17
